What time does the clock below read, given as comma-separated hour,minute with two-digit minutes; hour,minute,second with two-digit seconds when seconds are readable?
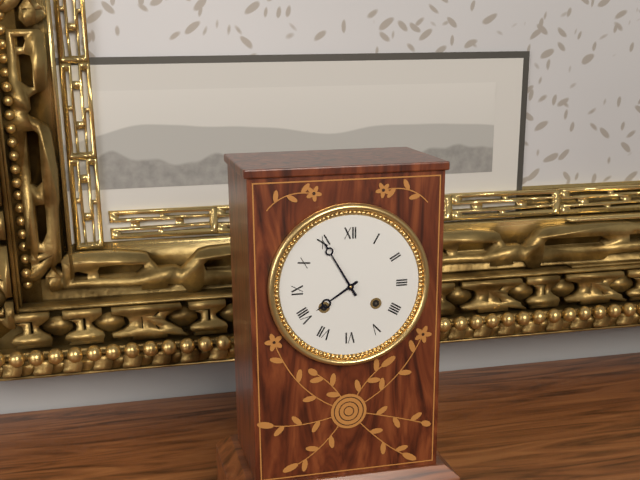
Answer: 7,55
